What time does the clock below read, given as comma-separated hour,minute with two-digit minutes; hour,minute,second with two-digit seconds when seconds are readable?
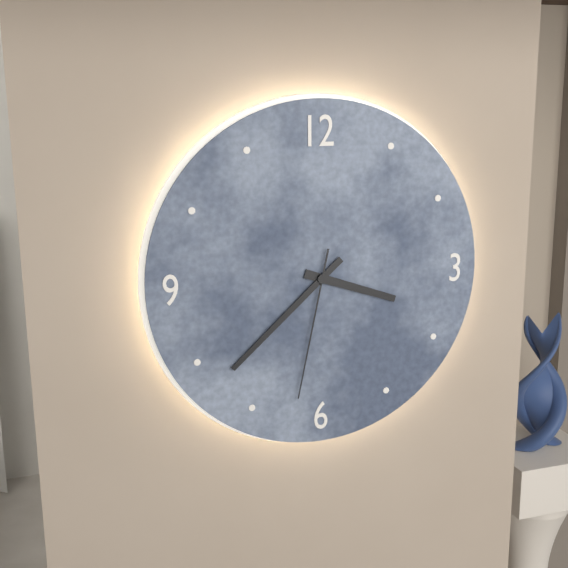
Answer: 3,38,32
